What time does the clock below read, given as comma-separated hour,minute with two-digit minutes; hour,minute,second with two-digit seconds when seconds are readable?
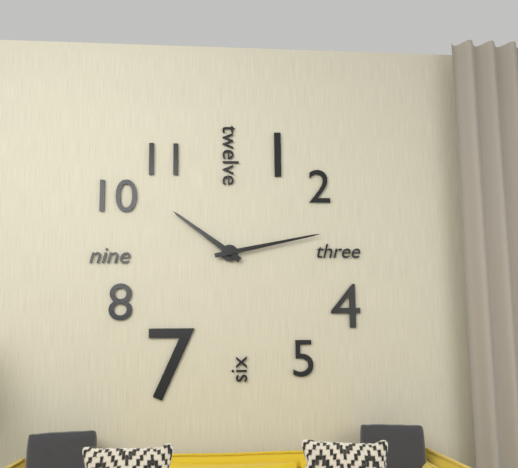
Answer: 10,13
